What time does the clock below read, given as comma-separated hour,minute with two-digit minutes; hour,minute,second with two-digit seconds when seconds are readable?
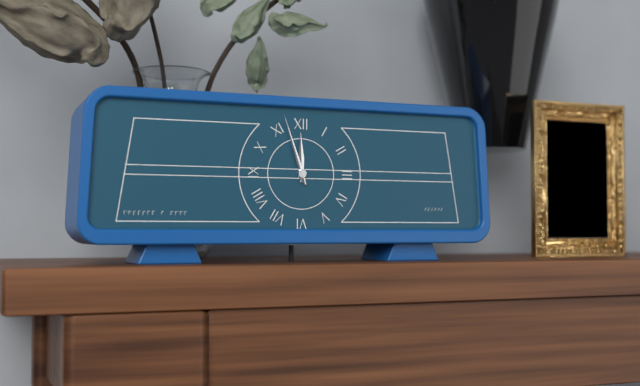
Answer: 11,57
